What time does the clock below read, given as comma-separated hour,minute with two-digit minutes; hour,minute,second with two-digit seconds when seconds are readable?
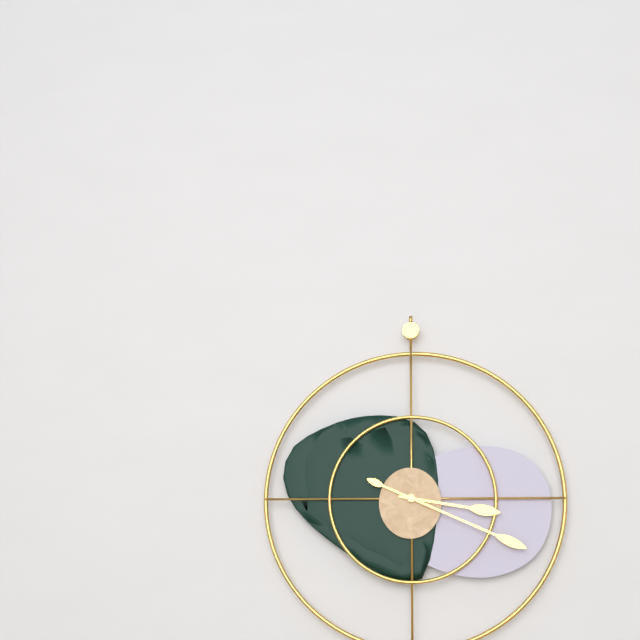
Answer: 3,19
